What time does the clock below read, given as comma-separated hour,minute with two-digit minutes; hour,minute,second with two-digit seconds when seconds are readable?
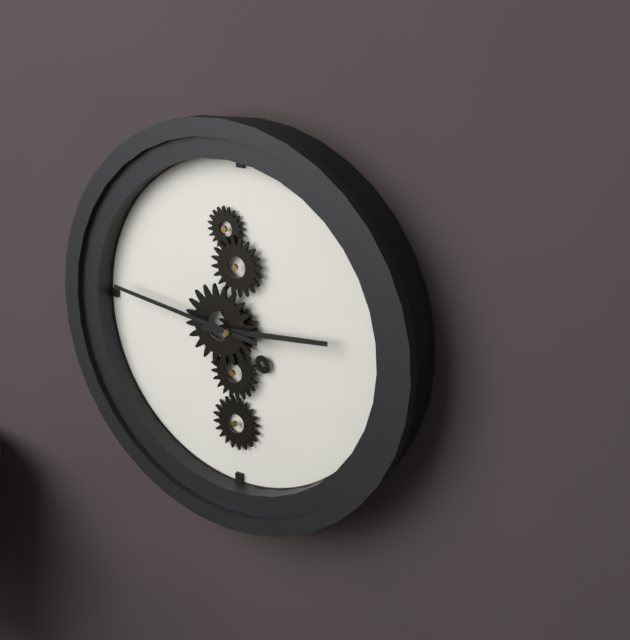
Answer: 2,46
